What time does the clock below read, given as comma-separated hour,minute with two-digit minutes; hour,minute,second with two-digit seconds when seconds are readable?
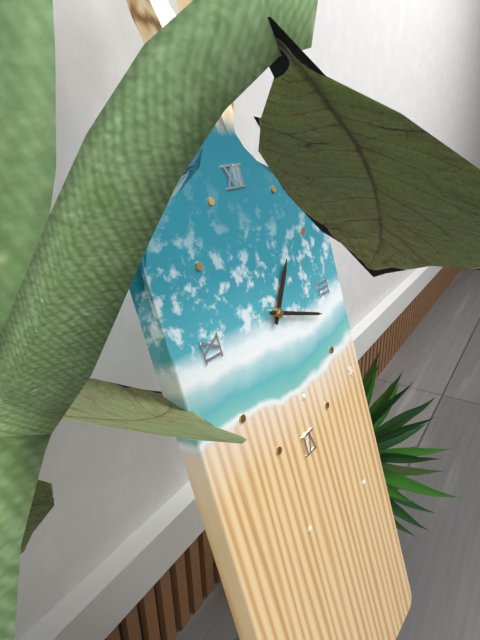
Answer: 1,18
